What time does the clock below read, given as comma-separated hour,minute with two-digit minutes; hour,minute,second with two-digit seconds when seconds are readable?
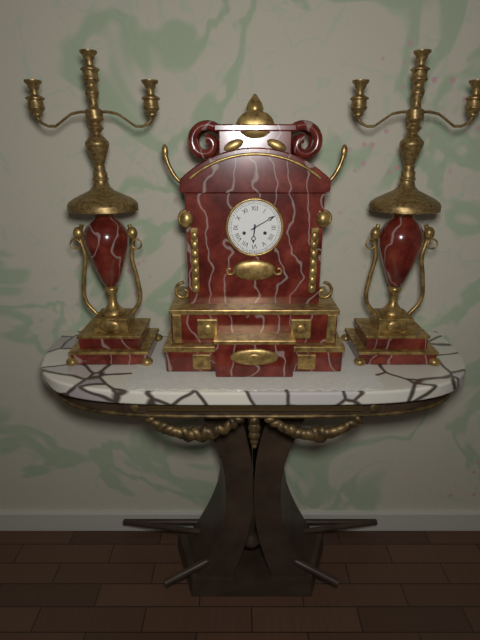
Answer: 6,10
